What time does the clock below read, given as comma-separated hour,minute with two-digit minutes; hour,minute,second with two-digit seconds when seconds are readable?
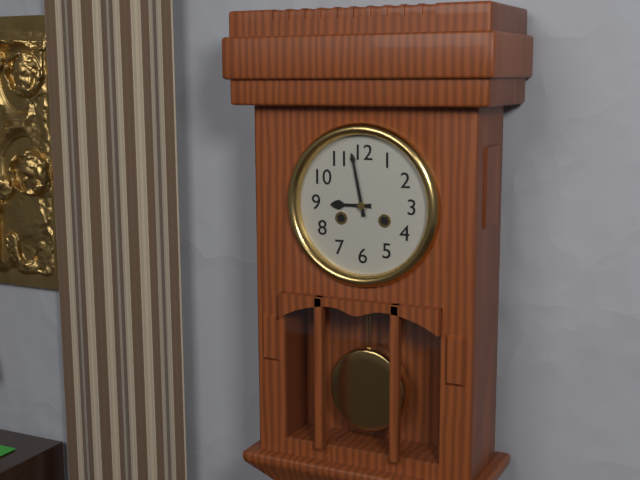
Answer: 8,58
